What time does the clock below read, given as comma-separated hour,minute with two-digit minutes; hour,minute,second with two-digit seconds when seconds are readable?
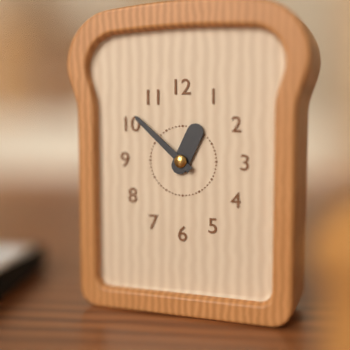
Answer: 12,52
